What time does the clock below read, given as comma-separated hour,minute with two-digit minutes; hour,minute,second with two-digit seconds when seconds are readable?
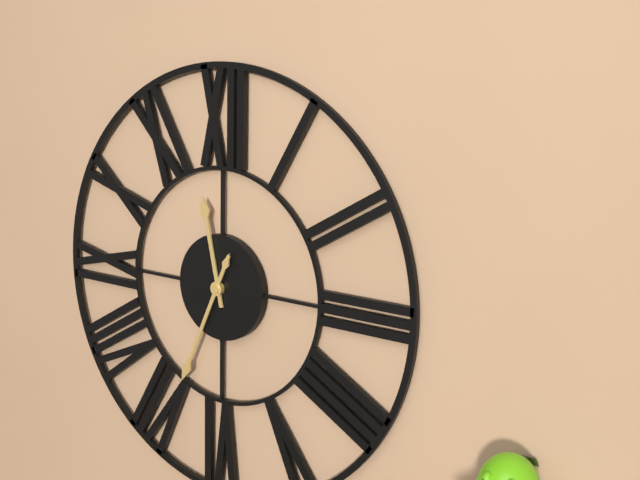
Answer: 11,34
